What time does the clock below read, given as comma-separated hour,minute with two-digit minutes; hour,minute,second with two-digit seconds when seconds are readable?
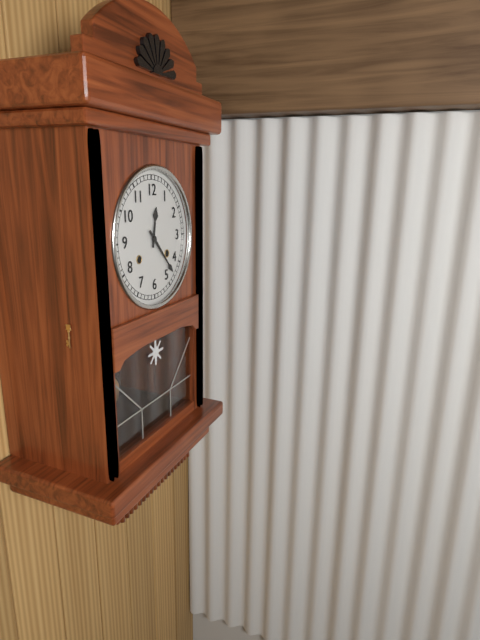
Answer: 12,23
